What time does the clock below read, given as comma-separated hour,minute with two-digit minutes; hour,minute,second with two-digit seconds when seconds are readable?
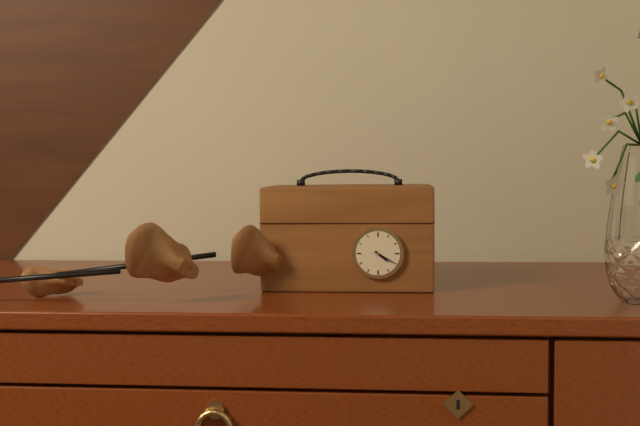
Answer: 4,20
